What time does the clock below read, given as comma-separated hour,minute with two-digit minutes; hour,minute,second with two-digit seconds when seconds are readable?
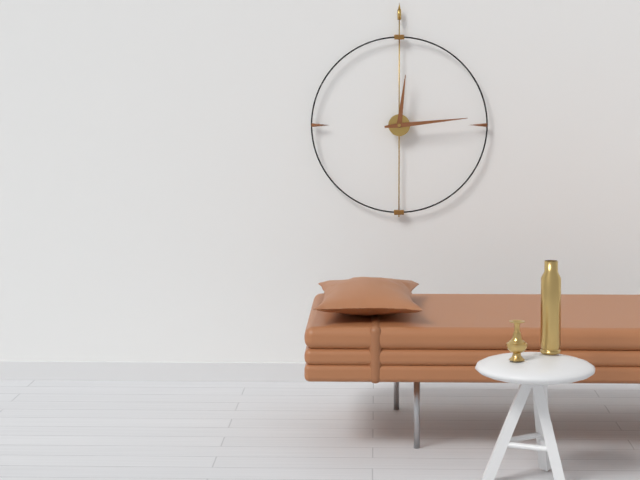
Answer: 12,14
